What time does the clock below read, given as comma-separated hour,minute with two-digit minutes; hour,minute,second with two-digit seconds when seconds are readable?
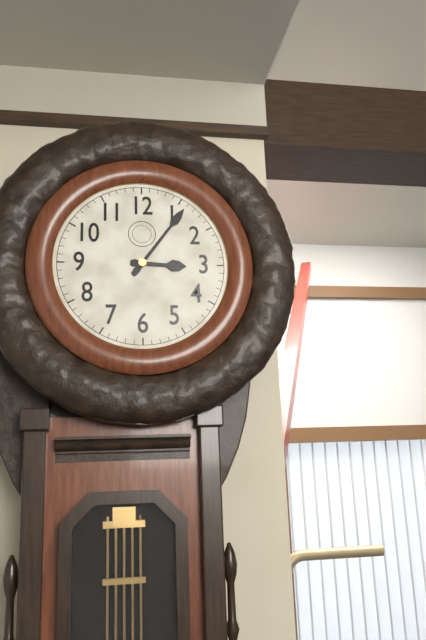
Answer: 3,06
